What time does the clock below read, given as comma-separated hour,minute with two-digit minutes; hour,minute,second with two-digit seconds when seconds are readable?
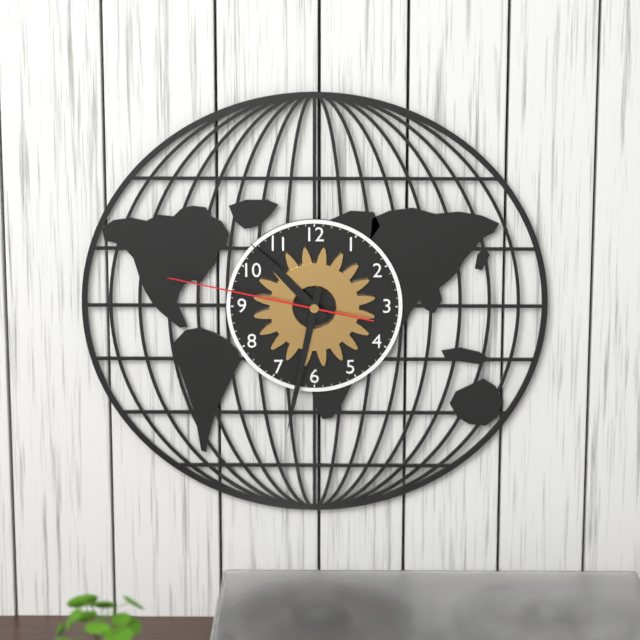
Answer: 10,32,47
